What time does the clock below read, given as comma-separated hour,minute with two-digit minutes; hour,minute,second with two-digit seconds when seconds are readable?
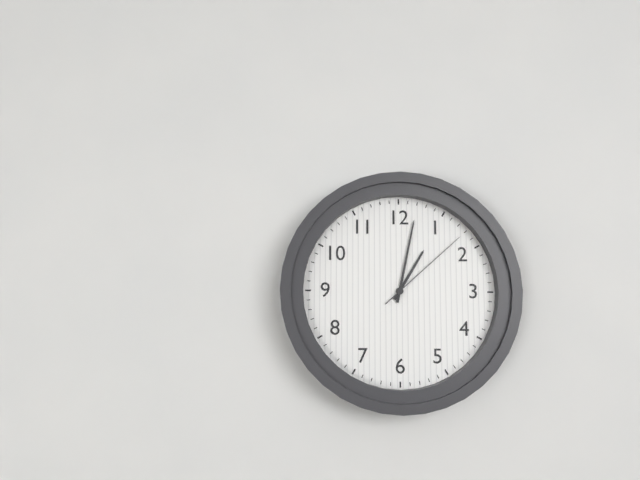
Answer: 1,02,08
